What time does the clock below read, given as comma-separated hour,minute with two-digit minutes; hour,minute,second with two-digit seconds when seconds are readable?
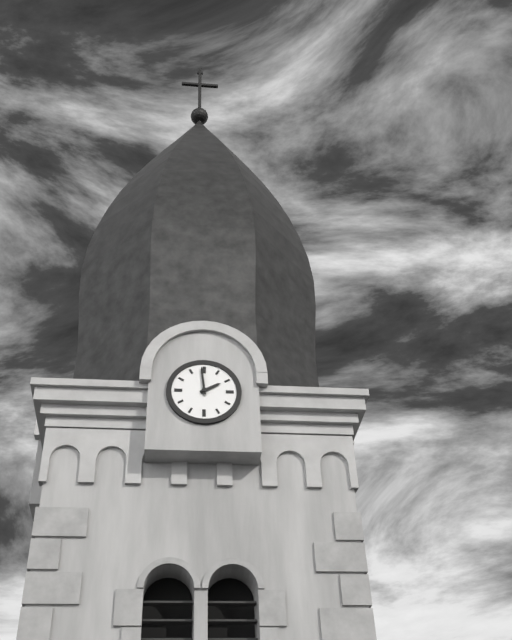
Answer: 1,59
